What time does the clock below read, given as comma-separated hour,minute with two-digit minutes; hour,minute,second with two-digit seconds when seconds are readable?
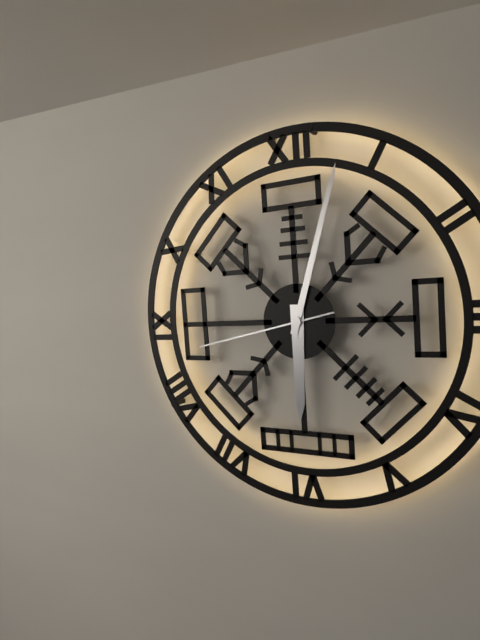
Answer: 6,03,43
